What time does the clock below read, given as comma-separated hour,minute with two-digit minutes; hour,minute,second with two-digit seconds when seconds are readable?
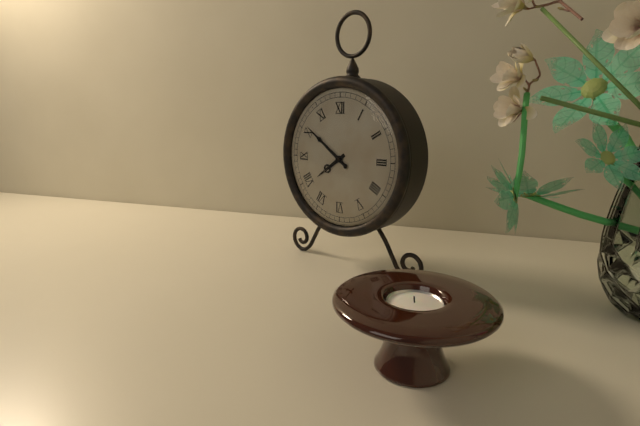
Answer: 7,51
